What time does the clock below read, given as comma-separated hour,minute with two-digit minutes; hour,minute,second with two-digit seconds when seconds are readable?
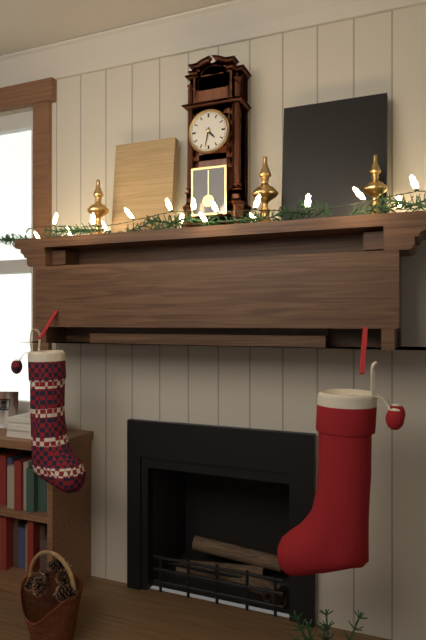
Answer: 4,32
